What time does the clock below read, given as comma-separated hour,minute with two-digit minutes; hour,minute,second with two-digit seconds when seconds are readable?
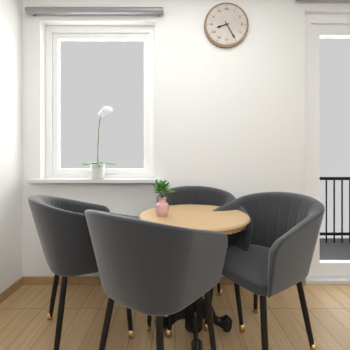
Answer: 8,25
